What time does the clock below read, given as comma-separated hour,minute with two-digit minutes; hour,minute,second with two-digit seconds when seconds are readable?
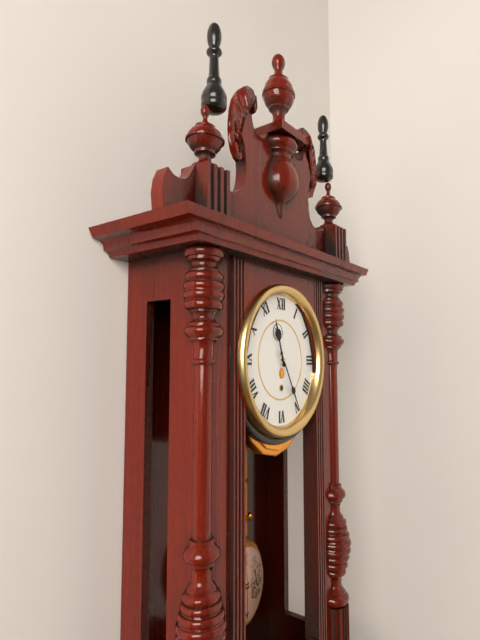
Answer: 11,25
